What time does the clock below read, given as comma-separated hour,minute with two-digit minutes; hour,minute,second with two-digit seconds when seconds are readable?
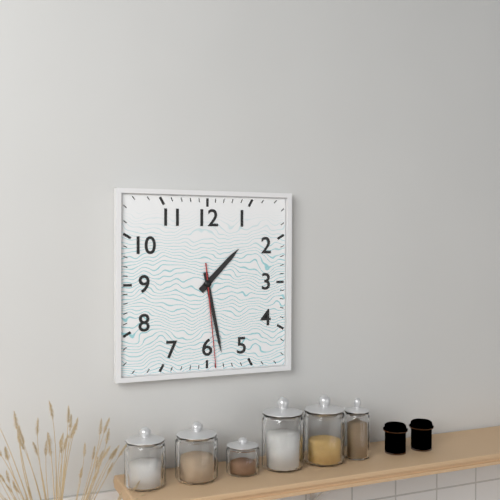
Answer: 1,28,29
